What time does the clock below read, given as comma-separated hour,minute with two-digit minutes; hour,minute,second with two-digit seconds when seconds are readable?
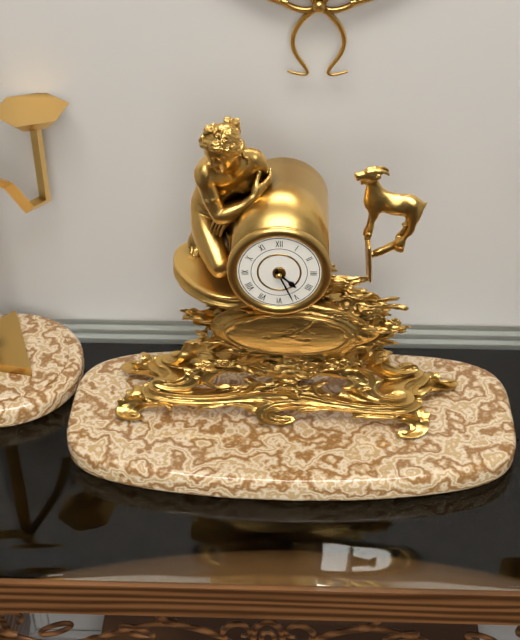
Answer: 4,26
